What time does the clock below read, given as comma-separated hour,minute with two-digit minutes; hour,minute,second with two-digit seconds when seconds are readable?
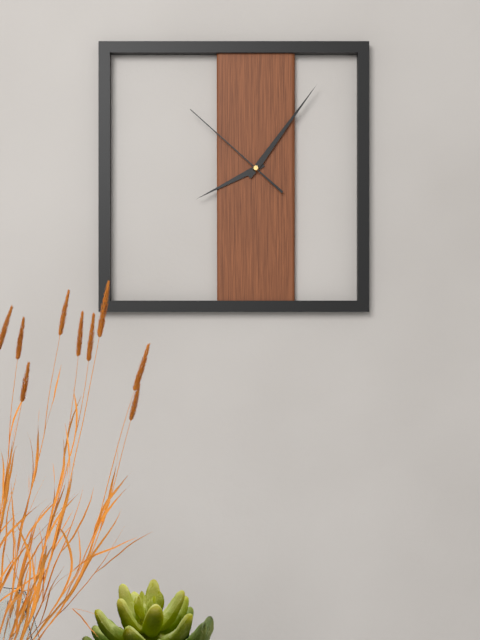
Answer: 8,06,52
